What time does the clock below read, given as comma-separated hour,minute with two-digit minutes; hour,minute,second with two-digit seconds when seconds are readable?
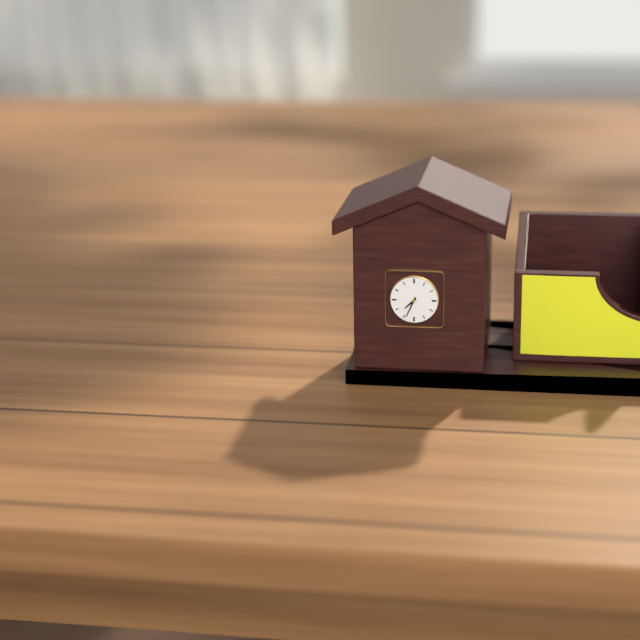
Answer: 7,34
